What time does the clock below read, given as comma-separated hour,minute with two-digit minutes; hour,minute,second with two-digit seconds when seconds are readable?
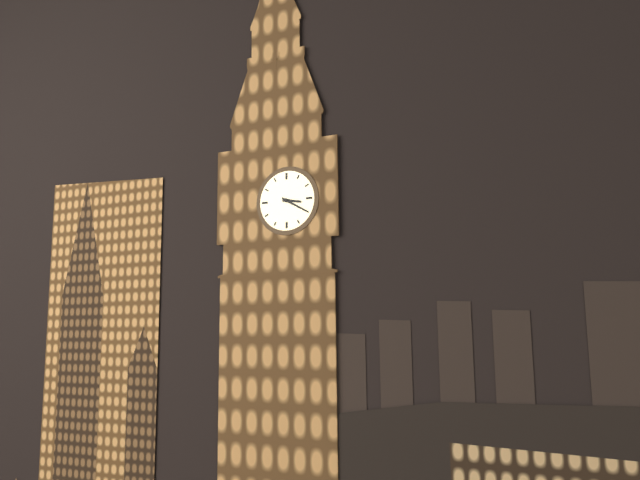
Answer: 3,20
